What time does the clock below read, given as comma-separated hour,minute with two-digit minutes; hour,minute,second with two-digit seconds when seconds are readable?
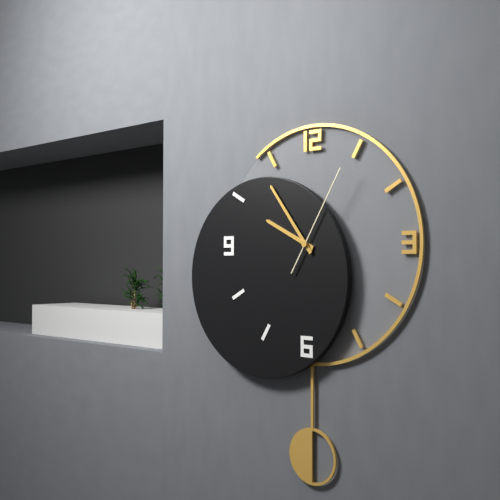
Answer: 9,54,05
